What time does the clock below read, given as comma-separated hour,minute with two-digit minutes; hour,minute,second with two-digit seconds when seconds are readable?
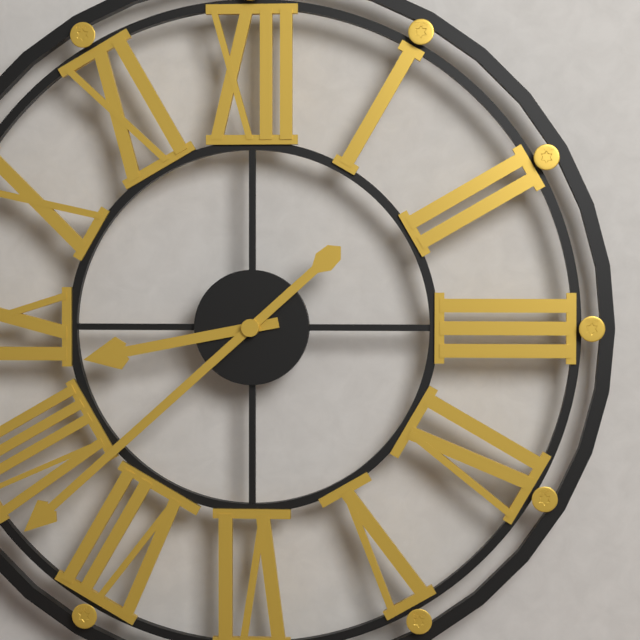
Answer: 8,38
